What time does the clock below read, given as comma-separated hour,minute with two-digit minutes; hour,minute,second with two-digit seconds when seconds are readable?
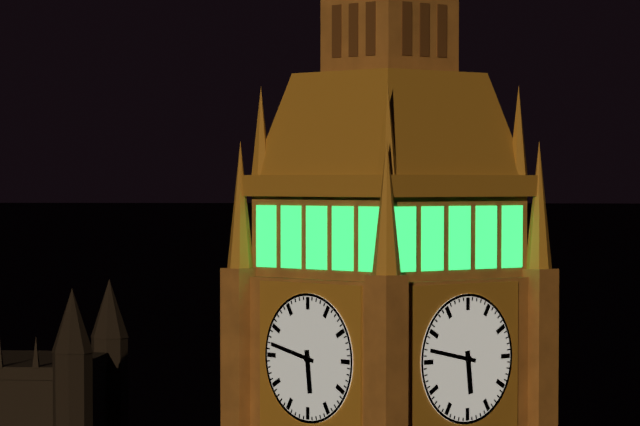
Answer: 5,47
